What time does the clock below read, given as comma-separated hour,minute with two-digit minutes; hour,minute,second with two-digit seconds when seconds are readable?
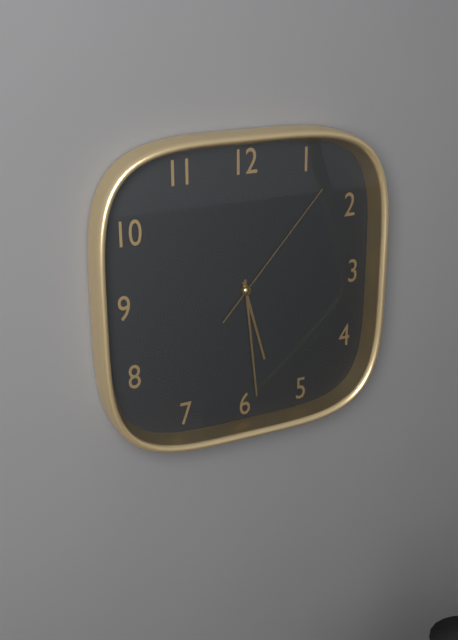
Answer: 5,29,07
